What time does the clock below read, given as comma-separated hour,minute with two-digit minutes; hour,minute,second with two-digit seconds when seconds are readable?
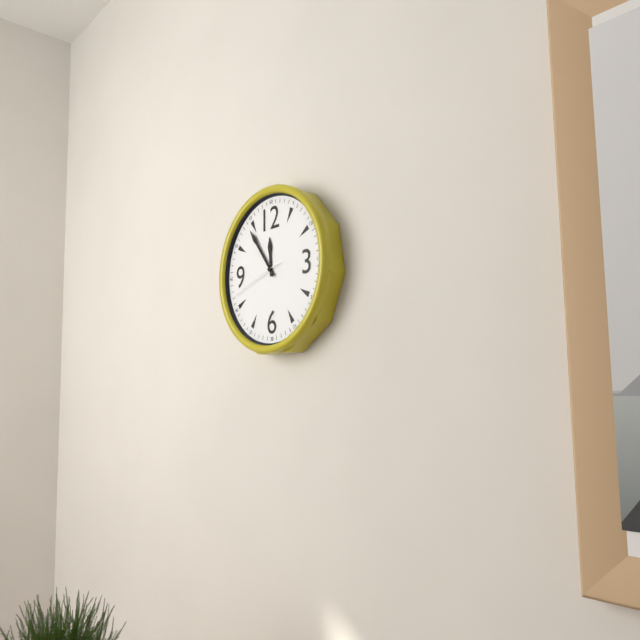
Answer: 11,54,42
